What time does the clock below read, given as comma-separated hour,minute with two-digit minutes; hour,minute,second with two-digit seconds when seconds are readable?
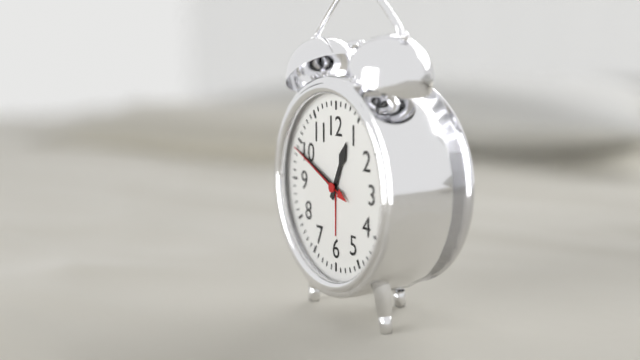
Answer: 12,49,49
